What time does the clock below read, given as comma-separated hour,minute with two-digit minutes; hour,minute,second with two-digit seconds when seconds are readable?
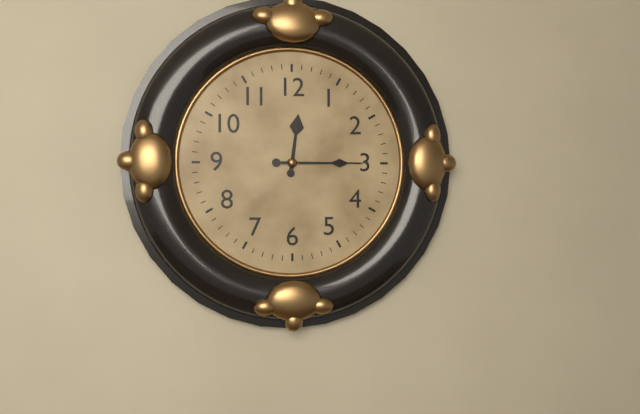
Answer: 12,15
